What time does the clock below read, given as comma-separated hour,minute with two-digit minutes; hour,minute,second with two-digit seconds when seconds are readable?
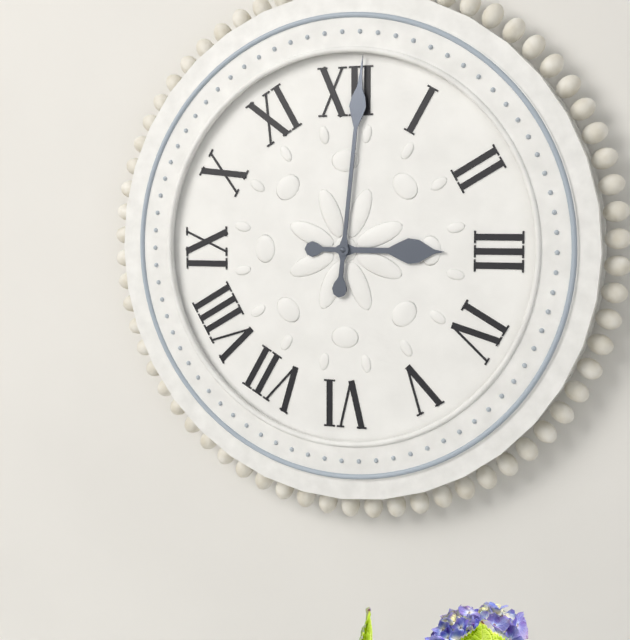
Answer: 3,01
